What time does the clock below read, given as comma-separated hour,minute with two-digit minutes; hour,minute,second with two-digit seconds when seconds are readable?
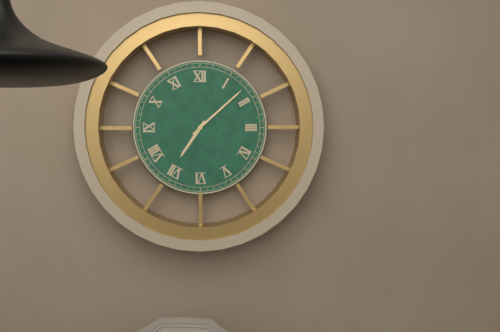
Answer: 7,08
